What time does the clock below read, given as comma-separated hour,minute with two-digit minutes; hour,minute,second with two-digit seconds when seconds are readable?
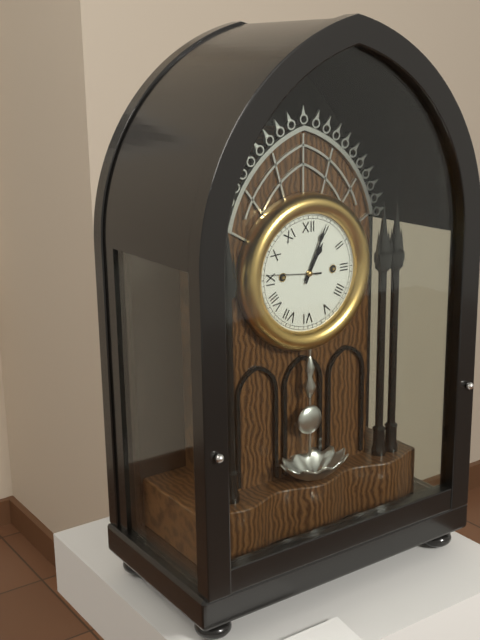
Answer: 1,04,46
